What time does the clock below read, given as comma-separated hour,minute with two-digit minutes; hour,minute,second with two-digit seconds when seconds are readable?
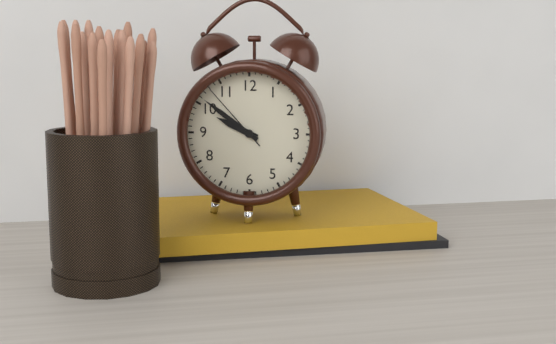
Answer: 9,51,53
